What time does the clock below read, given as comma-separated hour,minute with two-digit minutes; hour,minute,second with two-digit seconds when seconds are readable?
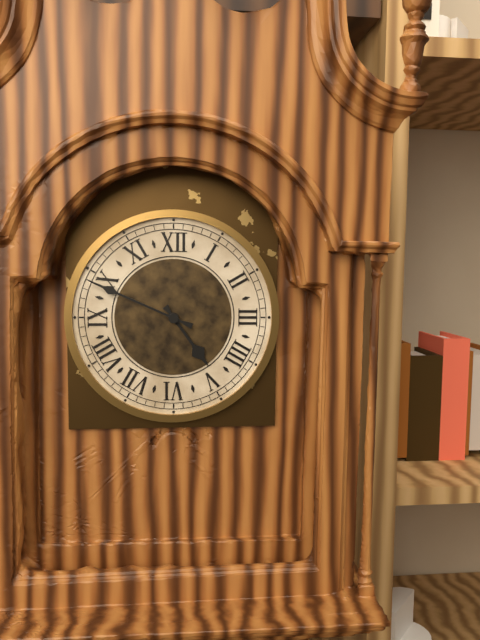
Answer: 4,49
